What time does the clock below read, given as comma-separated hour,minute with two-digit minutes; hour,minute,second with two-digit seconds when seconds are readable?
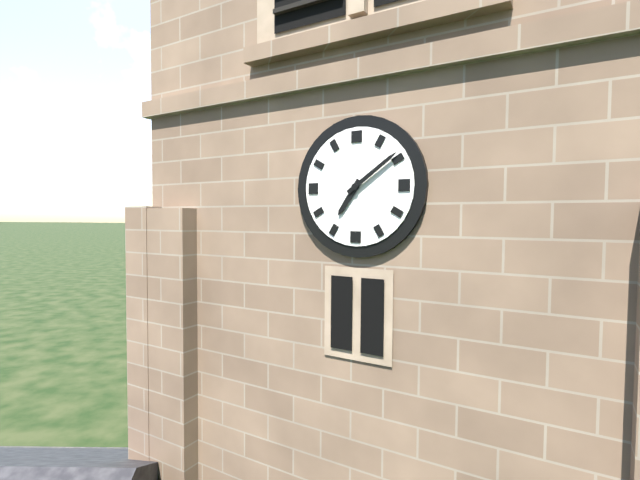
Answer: 7,09
